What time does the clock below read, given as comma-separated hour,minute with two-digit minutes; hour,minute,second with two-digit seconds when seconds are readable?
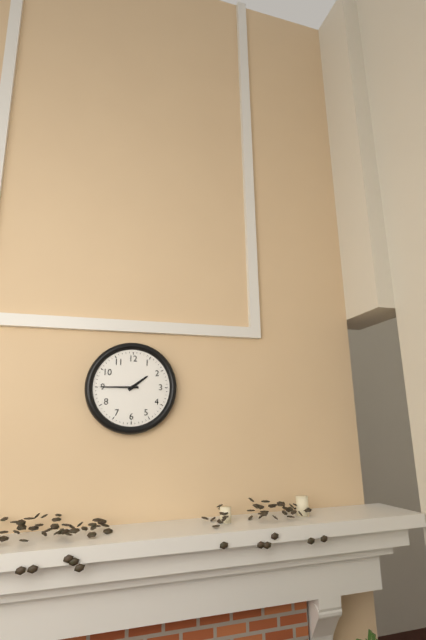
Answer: 1,45
